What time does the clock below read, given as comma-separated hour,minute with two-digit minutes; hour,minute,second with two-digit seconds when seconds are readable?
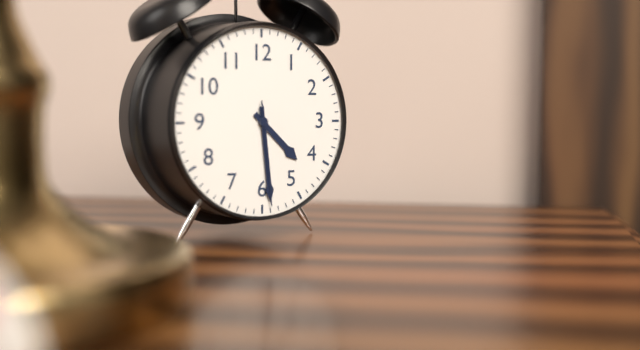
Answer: 4,29,29
